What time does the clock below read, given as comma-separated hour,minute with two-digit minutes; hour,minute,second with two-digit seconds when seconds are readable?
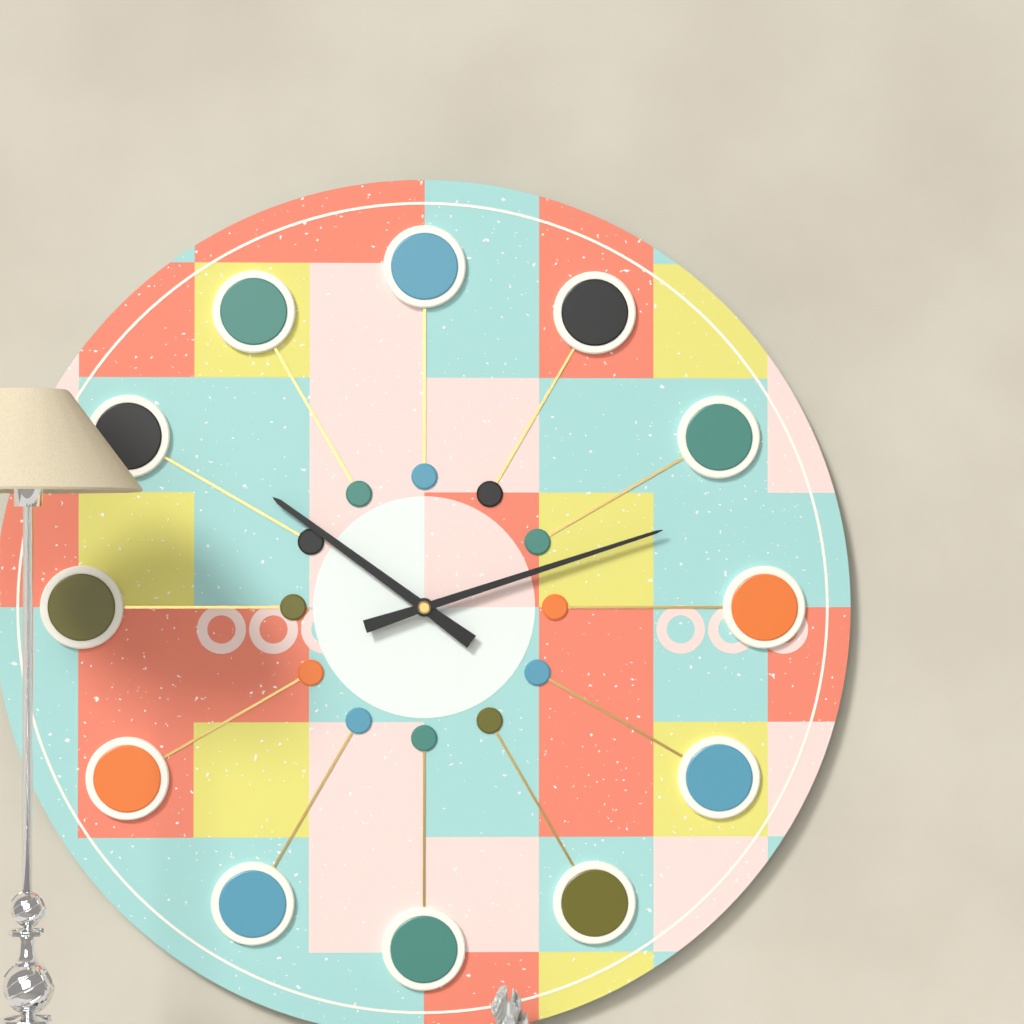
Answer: 10,12
